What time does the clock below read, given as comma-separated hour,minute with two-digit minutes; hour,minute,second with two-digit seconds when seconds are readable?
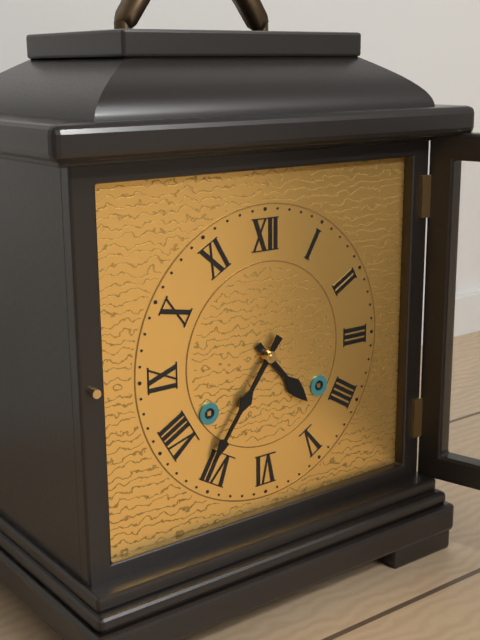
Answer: 4,36
